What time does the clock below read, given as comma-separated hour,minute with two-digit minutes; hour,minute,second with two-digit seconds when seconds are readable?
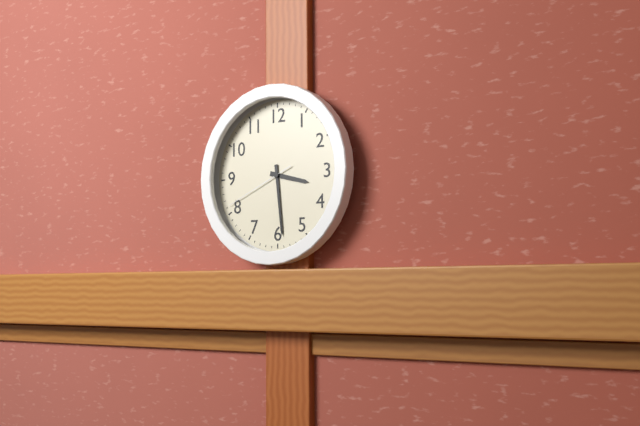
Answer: 3,29,41
